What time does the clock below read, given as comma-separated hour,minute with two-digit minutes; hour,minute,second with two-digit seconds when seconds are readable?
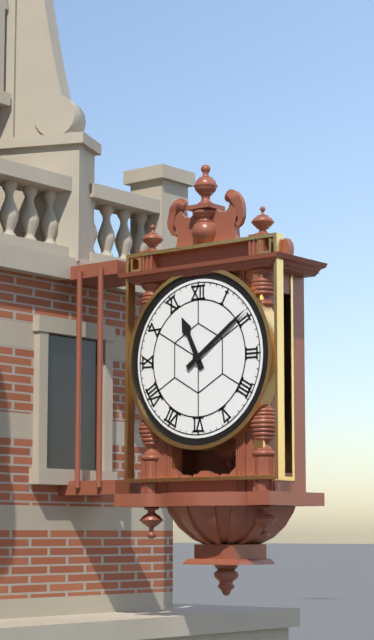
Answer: 11,09
